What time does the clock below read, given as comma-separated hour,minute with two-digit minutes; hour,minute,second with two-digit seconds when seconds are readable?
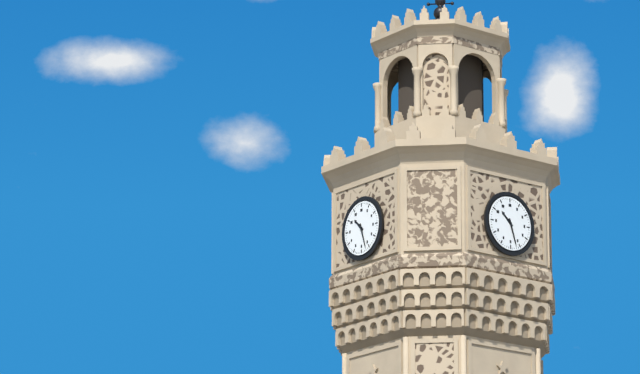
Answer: 10,27
